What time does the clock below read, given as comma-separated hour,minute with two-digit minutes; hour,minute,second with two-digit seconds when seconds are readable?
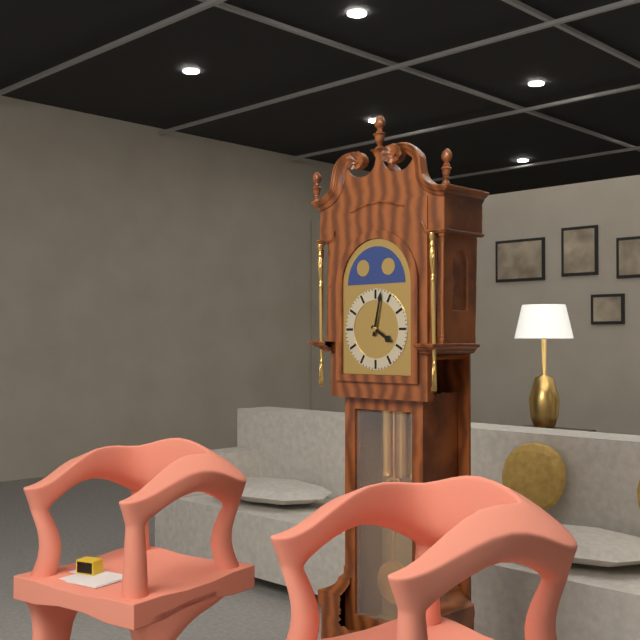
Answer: 4,02
